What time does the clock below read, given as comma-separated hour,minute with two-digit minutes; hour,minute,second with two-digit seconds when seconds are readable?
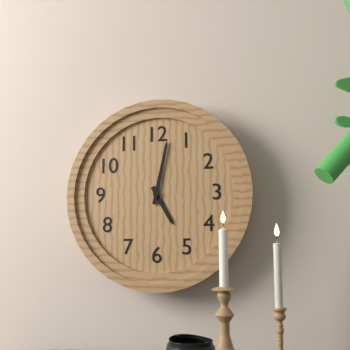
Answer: 5,02
